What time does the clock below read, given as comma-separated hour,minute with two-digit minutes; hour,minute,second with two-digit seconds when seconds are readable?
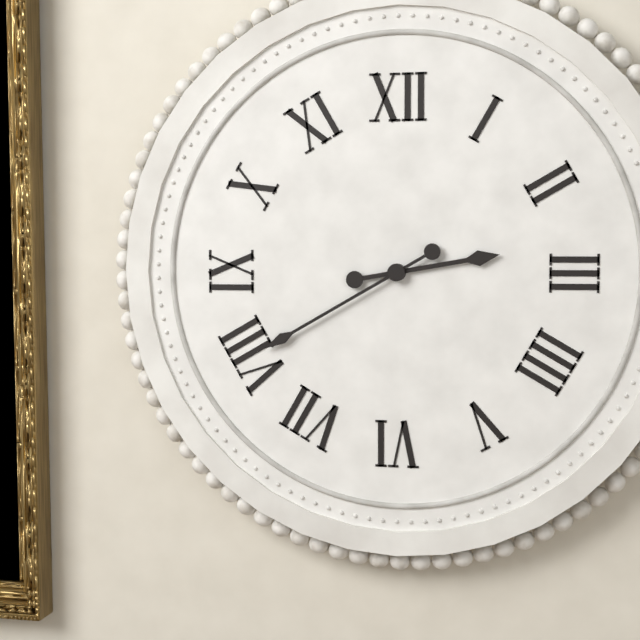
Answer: 2,40
